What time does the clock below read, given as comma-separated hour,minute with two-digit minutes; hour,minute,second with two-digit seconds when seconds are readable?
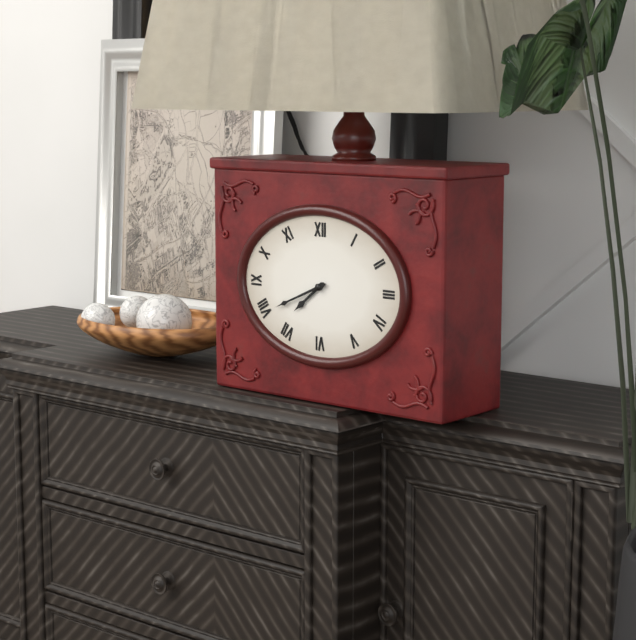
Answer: 7,41
